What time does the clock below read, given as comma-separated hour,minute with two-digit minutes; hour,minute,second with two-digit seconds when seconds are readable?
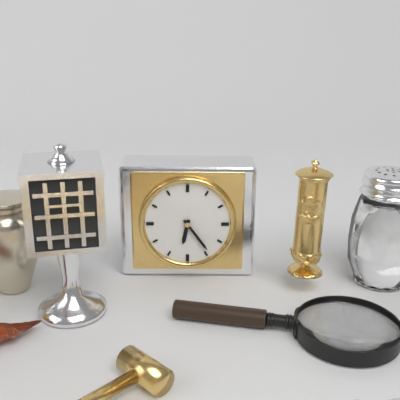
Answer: 6,24
